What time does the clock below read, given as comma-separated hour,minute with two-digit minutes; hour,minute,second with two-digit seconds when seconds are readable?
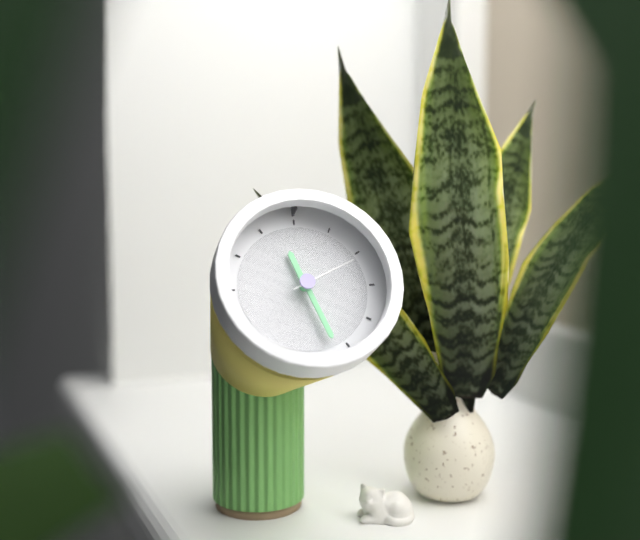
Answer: 11,27,11
